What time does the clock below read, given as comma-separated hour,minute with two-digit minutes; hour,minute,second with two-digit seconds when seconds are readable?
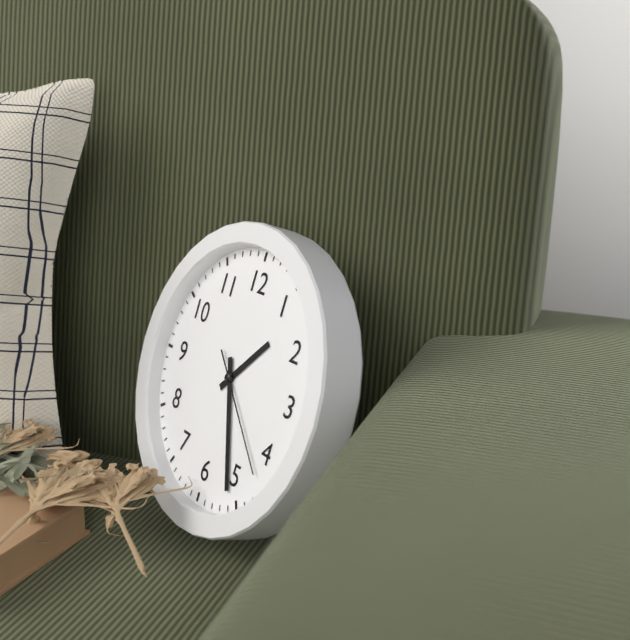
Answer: 1,26,22
